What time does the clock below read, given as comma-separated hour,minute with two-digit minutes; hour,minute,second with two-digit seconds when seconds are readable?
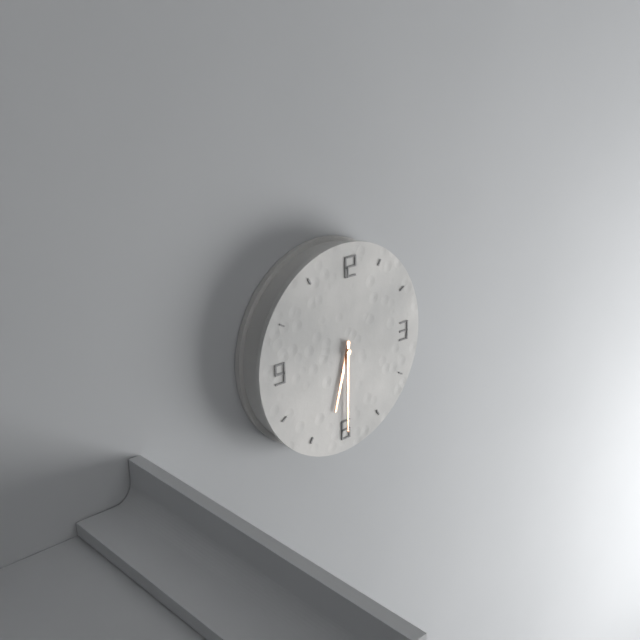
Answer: 6,30
